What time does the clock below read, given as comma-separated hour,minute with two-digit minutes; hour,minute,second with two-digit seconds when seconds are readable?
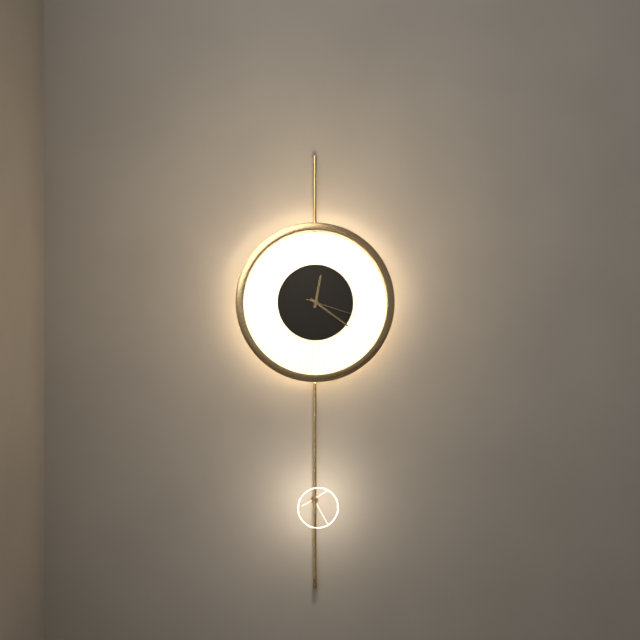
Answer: 12,21,18
